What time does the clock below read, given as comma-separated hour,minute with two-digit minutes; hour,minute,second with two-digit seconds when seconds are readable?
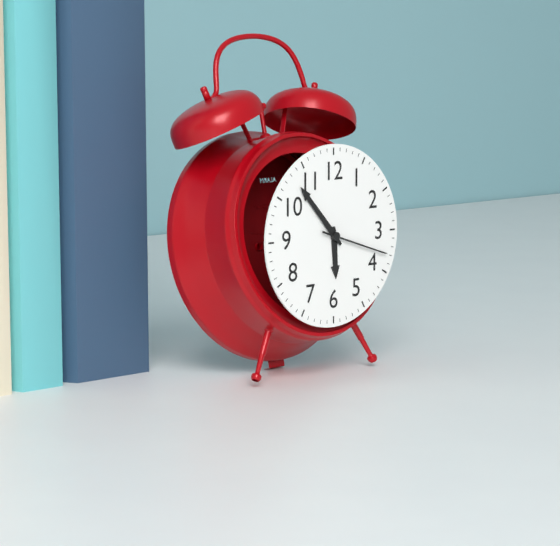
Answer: 5,53,18
